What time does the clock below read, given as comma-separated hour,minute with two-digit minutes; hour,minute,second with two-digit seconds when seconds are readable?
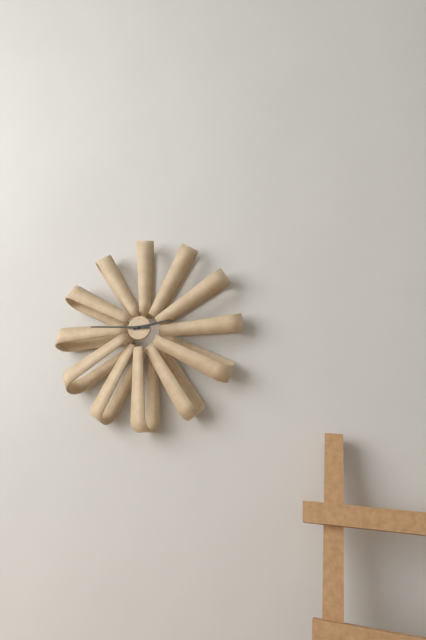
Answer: 2,46
